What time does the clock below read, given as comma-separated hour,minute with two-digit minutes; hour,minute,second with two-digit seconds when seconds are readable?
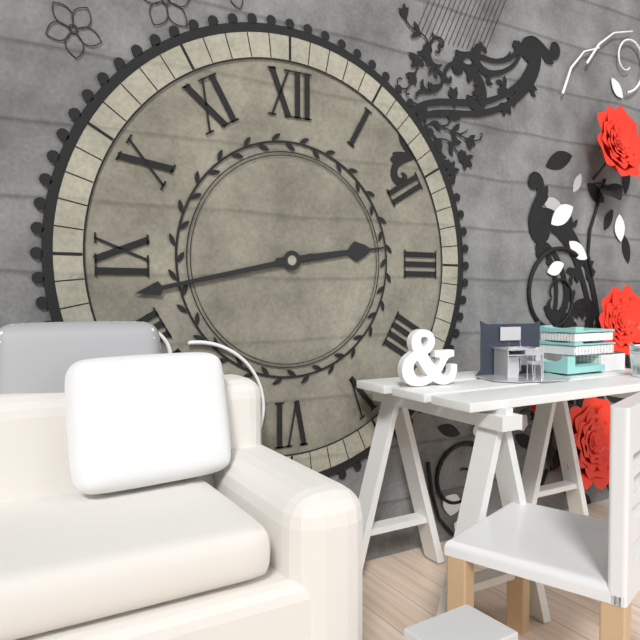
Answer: 2,43
